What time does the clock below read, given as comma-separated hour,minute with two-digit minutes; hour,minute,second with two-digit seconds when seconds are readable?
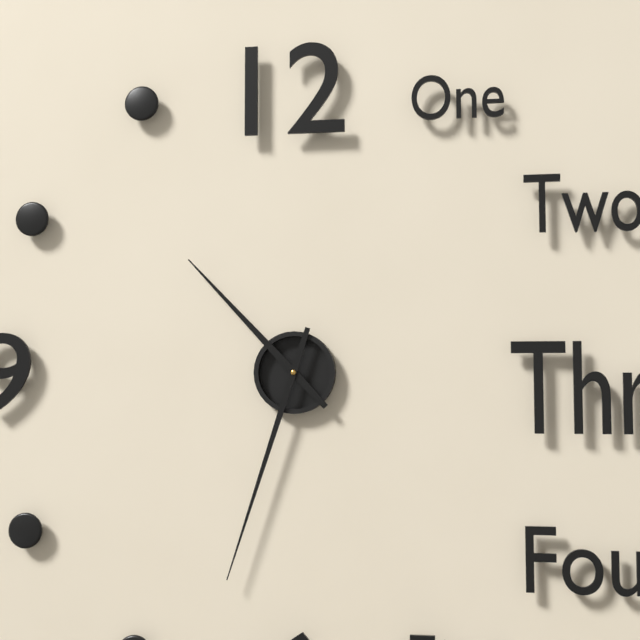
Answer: 10,33
